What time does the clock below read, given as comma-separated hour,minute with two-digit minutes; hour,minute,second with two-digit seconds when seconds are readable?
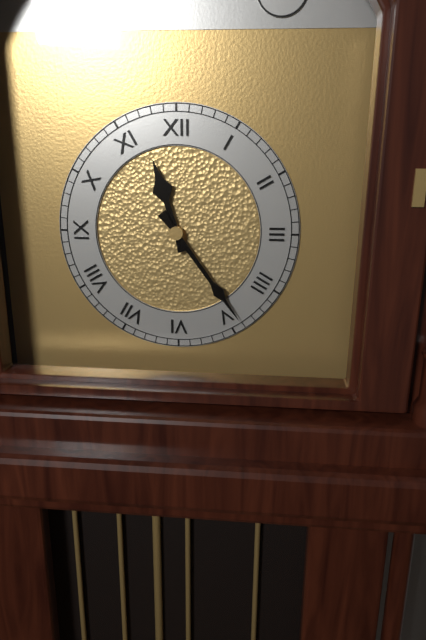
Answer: 11,24
